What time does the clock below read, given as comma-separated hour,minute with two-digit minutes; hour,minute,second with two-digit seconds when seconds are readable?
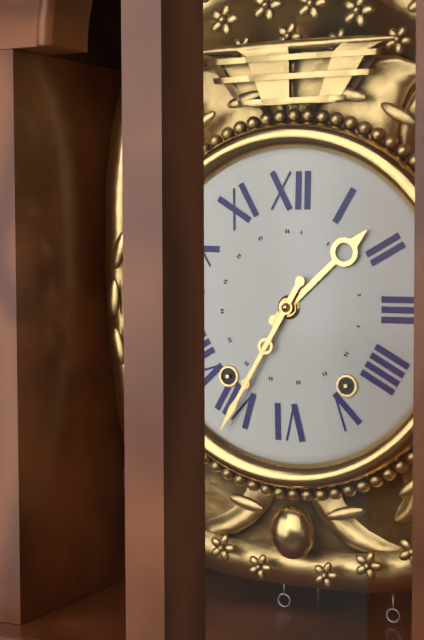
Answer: 1,35
